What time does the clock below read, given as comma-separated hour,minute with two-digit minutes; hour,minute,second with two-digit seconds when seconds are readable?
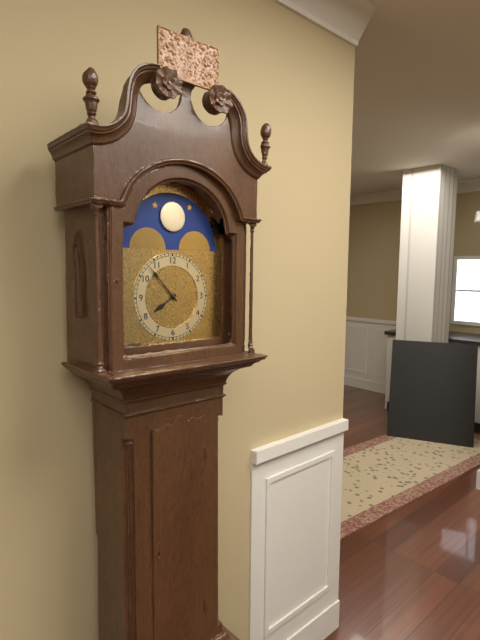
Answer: 7,53
